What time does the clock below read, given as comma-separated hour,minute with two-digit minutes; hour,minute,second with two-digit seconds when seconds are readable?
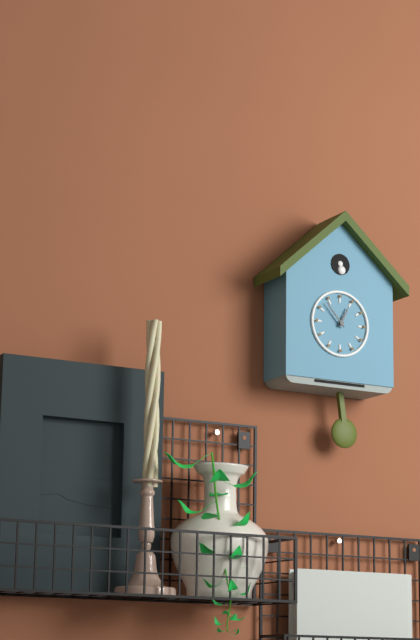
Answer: 12,53
